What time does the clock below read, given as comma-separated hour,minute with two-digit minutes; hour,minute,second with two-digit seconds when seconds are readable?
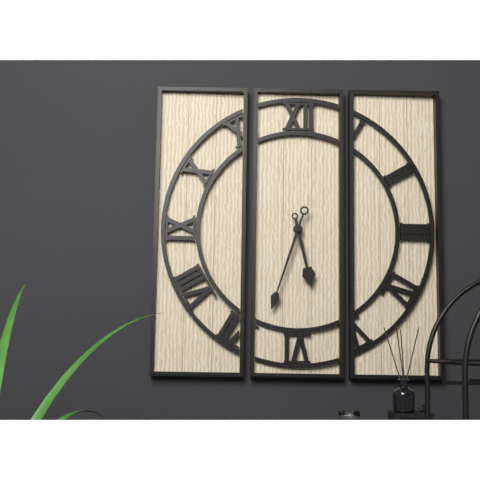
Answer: 5,33
